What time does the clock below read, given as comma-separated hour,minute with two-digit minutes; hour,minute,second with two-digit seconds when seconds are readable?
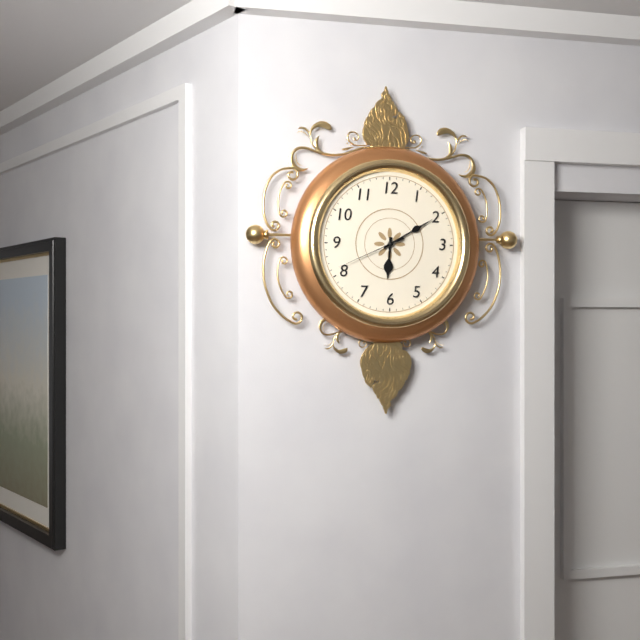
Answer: 6,10,41
